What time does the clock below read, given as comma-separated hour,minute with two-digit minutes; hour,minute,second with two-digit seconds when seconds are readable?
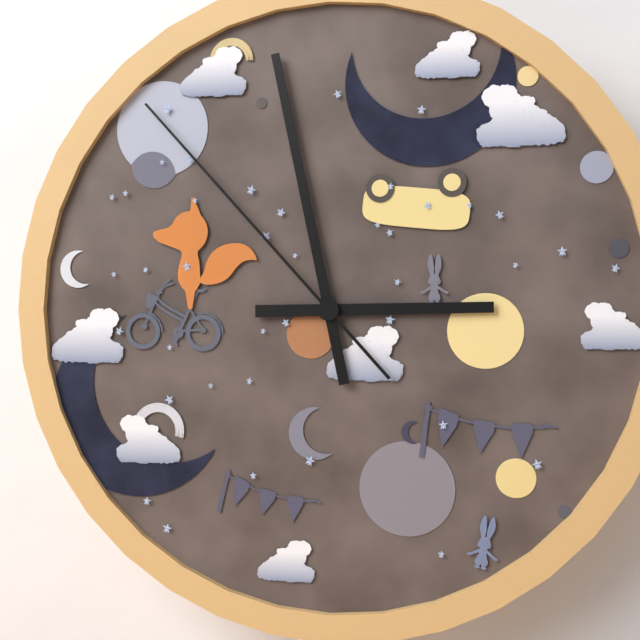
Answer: 2,58,53
